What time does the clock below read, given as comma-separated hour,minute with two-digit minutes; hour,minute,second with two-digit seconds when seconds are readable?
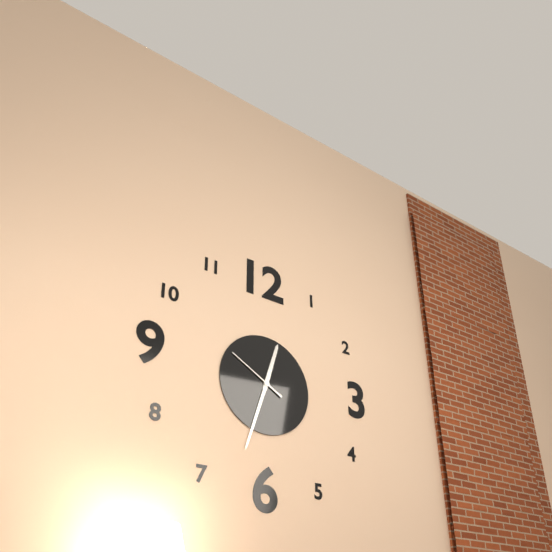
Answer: 12,33,50
